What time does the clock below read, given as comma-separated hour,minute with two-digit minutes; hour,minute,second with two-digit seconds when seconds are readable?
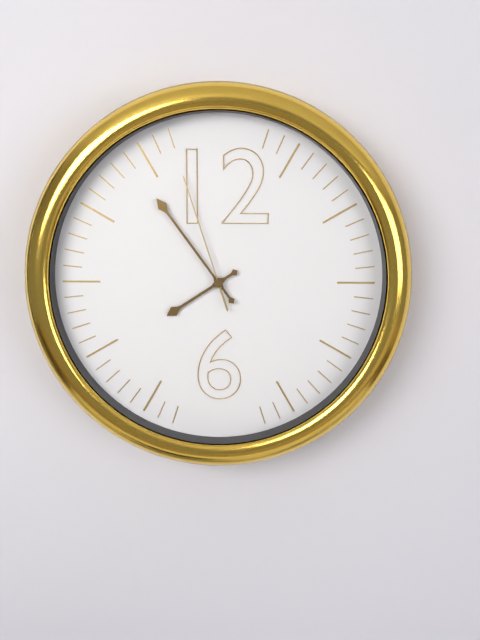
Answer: 7,54,57
